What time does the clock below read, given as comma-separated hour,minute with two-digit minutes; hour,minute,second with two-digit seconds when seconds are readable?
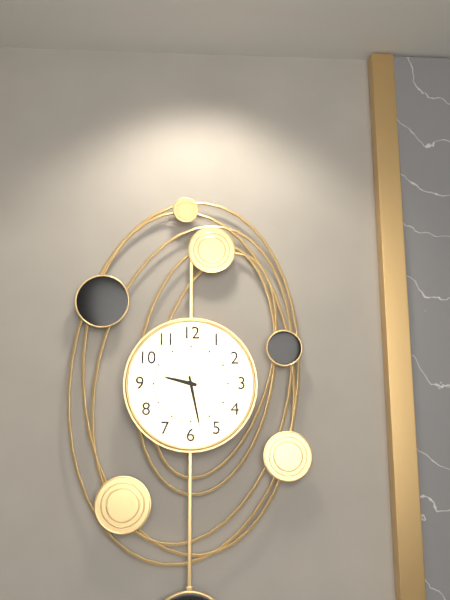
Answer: 9,28
